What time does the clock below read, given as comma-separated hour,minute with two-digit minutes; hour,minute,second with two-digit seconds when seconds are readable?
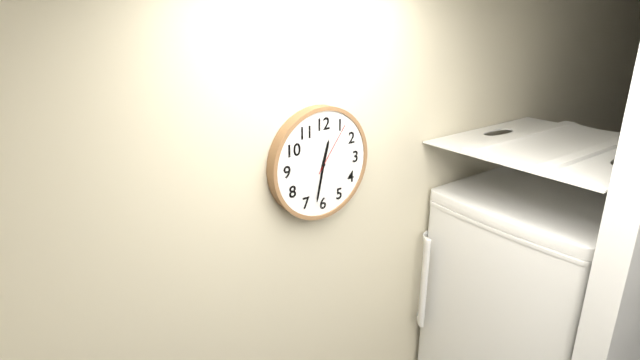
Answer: 12,32,06
